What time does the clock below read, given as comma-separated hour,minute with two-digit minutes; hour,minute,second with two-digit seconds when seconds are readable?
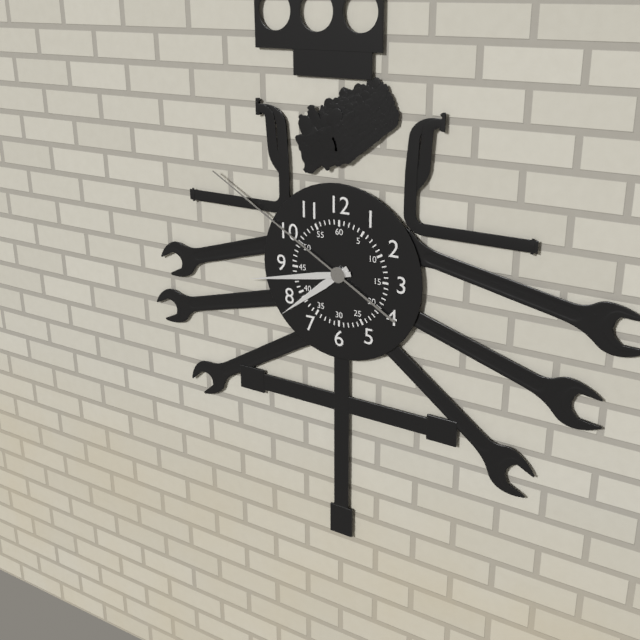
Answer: 7,43,50
